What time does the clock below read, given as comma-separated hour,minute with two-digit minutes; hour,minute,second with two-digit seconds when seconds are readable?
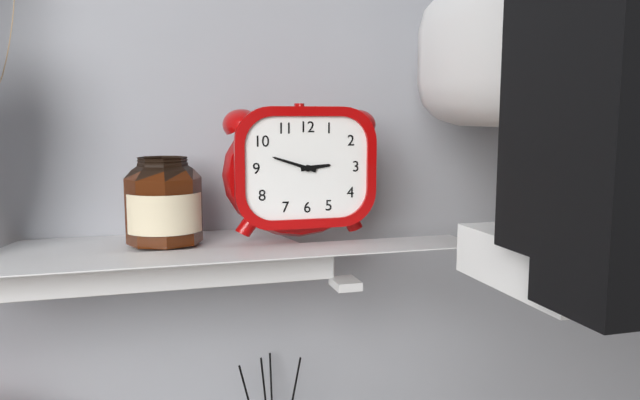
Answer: 2,48
